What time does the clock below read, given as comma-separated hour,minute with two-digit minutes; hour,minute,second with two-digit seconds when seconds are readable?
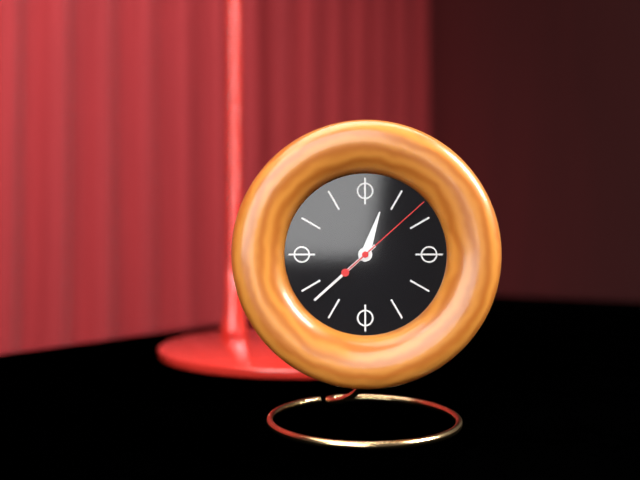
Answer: 12,38,08
